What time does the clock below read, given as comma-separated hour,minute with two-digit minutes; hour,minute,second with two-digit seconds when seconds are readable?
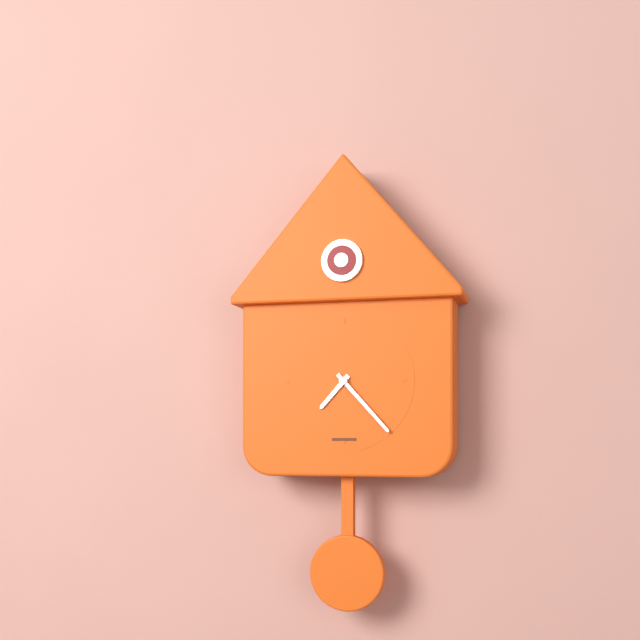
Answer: 7,23
